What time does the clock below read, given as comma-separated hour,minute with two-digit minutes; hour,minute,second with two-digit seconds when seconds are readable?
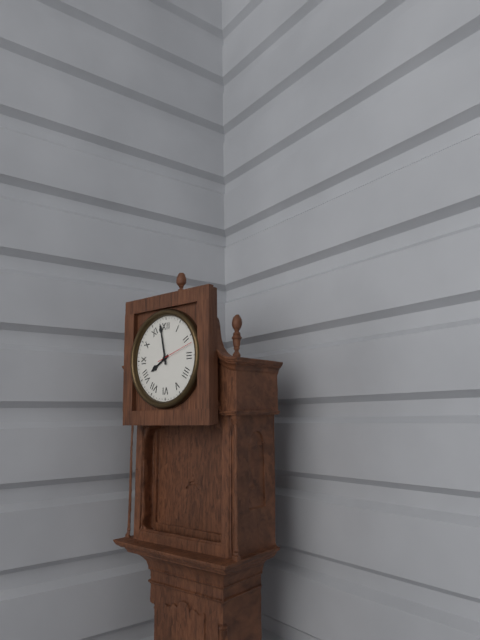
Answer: 7,58
